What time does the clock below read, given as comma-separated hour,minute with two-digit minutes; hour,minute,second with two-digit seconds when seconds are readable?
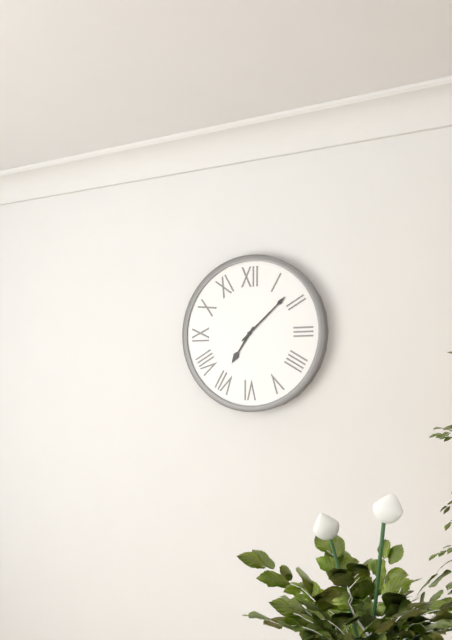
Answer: 7,08
